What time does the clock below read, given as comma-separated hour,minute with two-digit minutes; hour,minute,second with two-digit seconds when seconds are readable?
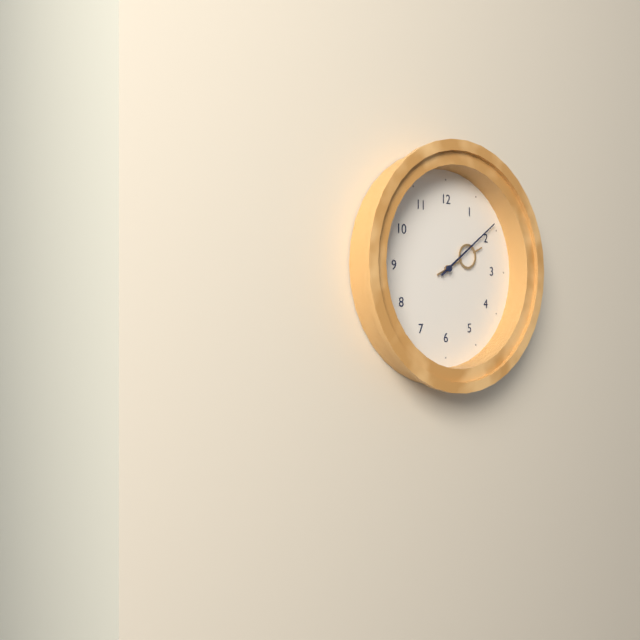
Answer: 2,09
